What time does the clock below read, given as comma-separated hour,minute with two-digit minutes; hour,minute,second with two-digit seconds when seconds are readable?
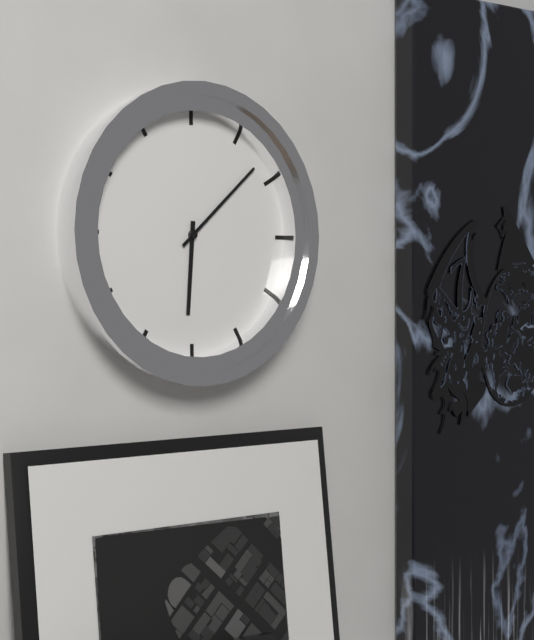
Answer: 6,08
